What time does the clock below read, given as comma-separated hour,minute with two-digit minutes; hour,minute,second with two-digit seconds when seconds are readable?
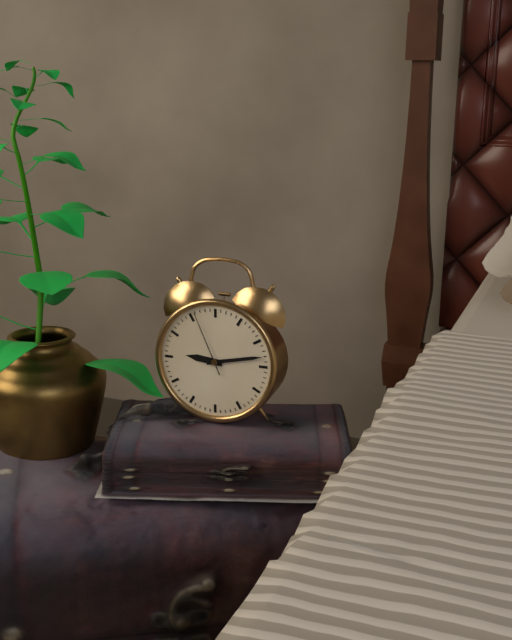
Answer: 9,13,56
